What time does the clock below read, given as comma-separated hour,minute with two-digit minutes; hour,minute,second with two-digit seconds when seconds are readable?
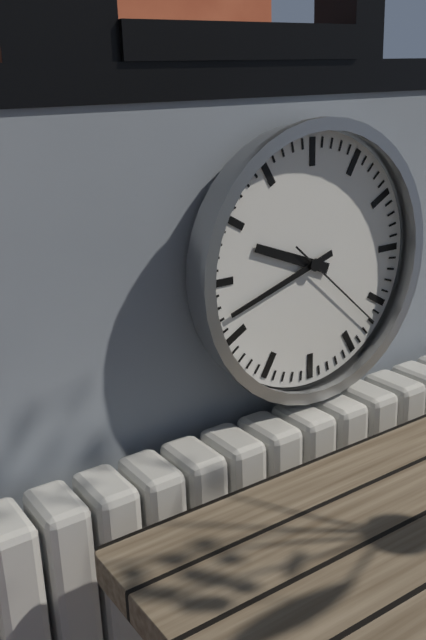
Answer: 9,42,22
